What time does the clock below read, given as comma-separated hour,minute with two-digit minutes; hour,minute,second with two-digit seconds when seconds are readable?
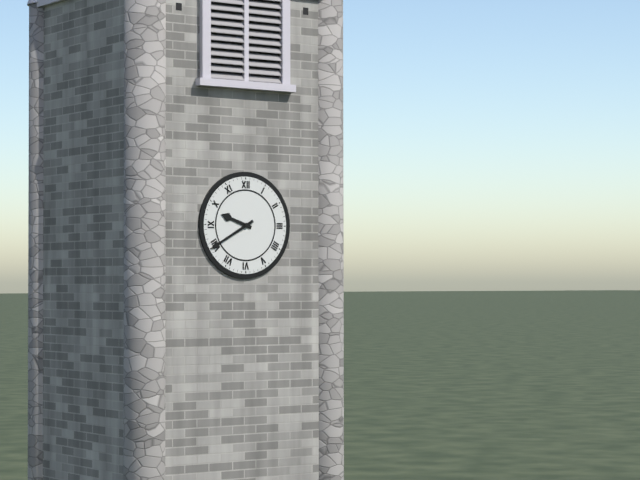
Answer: 9,40
